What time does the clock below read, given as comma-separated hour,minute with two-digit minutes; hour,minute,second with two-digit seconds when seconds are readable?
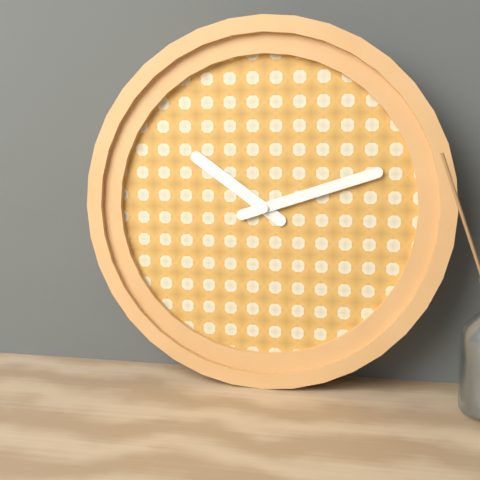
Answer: 10,12
